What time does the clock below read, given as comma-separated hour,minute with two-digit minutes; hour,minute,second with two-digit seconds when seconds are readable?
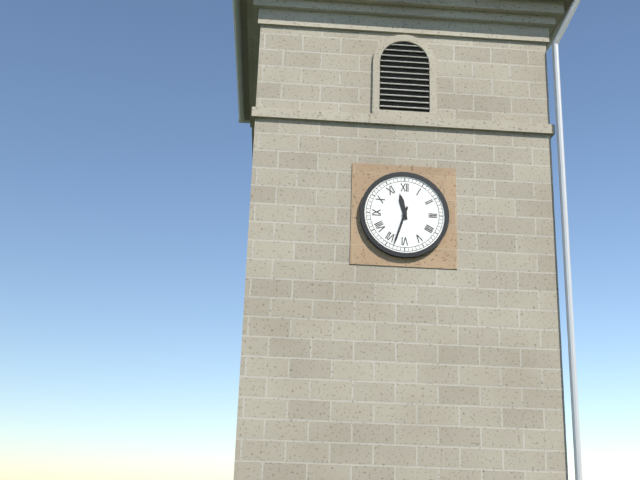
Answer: 11,33
